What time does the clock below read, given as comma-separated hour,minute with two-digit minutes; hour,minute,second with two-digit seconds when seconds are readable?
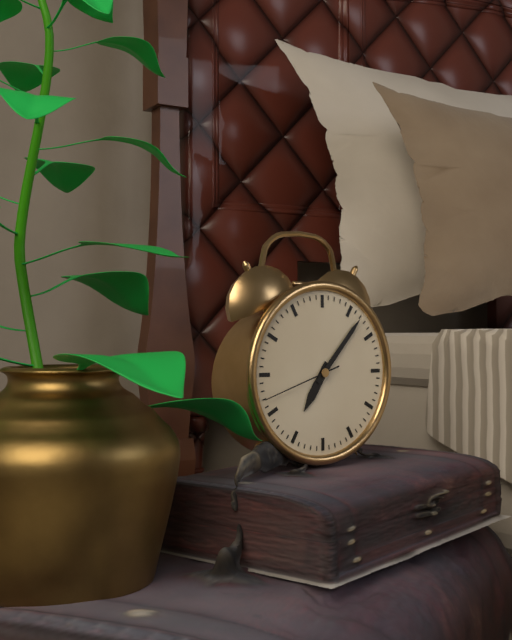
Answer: 7,07,42
